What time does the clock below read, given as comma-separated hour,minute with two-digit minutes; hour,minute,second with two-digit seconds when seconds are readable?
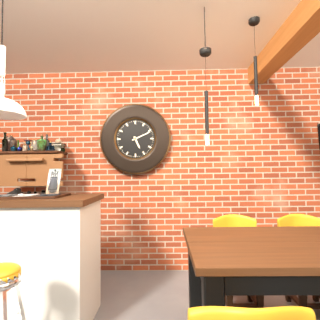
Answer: 5,11
